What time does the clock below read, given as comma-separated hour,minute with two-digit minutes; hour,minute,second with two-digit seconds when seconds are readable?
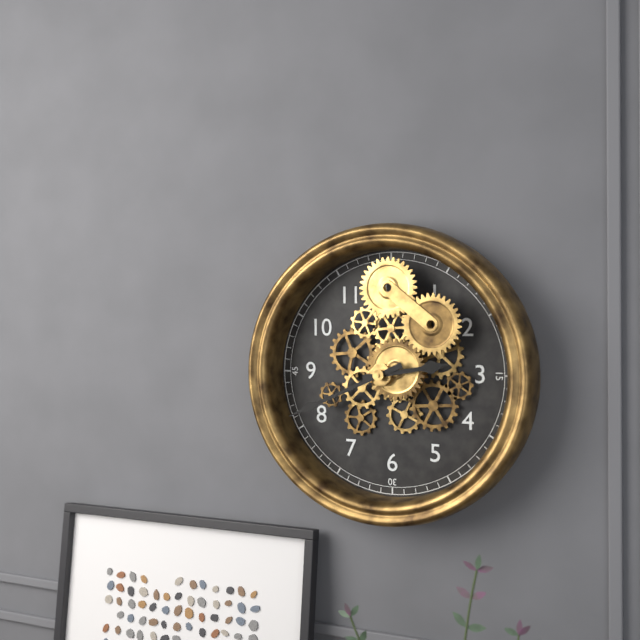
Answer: 2,41
